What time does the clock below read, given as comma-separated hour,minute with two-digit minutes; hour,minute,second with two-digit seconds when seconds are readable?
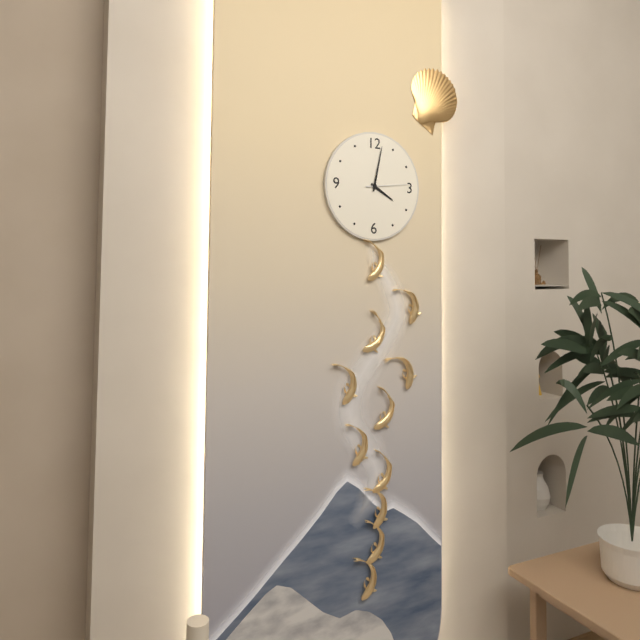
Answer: 4,02
